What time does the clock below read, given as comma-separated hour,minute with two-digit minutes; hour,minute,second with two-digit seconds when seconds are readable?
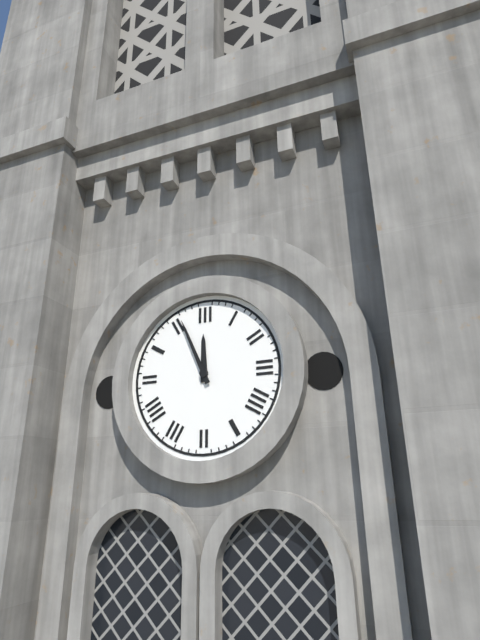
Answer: 11,56
